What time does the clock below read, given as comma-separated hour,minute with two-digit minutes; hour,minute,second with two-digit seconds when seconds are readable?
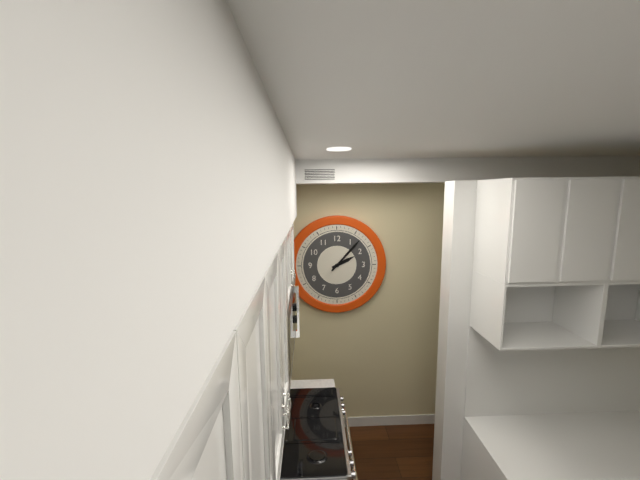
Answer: 2,07
